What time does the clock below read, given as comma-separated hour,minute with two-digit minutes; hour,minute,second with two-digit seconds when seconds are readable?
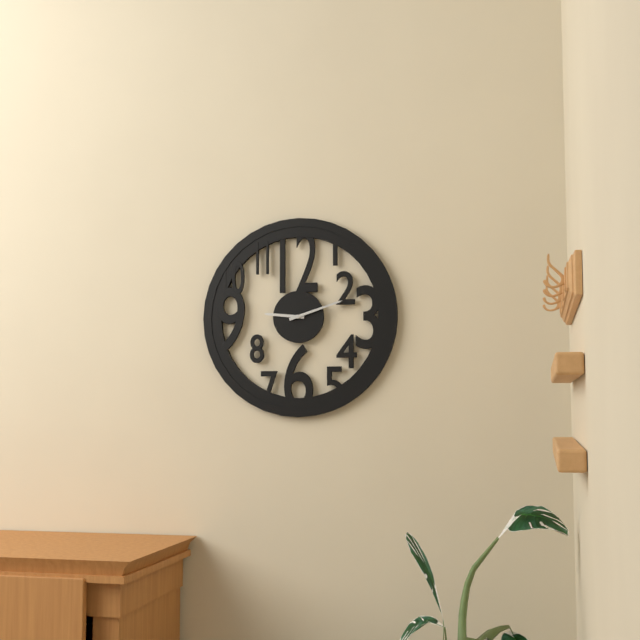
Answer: 9,12
